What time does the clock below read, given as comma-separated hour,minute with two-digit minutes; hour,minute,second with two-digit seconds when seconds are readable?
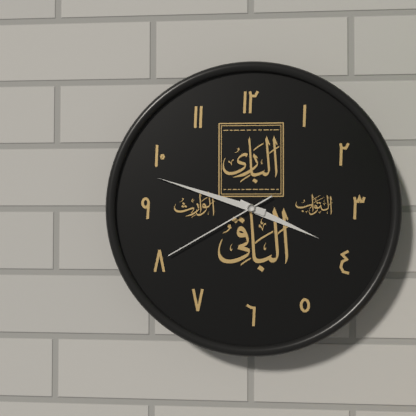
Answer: 3,48,40
